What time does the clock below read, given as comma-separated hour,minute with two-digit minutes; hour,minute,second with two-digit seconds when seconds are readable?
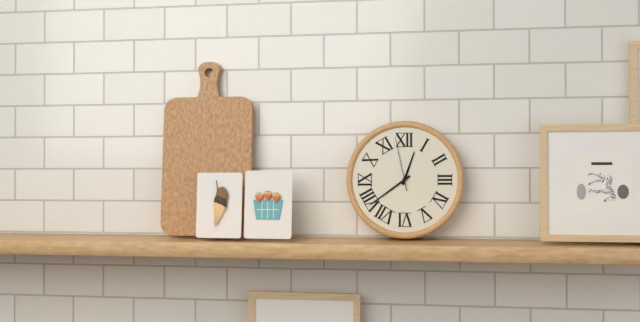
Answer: 12,39,58
